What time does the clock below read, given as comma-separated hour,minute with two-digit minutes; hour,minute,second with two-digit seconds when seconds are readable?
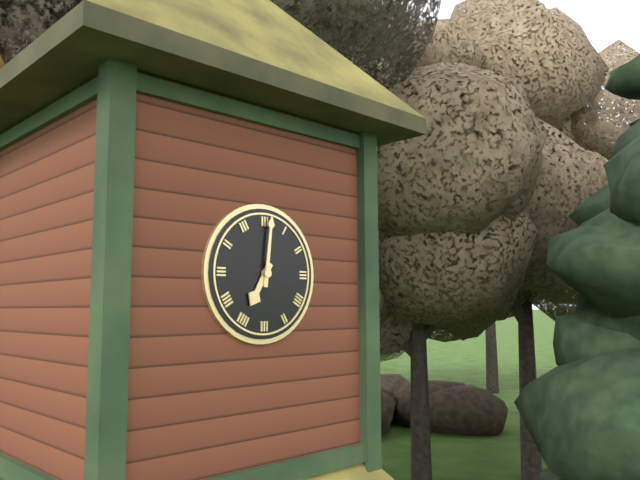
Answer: 7,01
